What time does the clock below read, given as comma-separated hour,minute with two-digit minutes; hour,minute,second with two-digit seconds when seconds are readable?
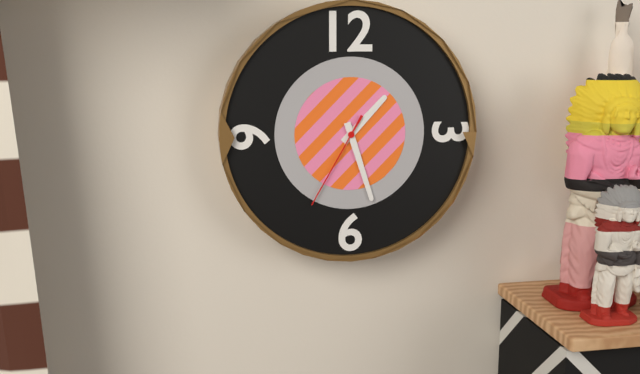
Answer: 1,27,35
